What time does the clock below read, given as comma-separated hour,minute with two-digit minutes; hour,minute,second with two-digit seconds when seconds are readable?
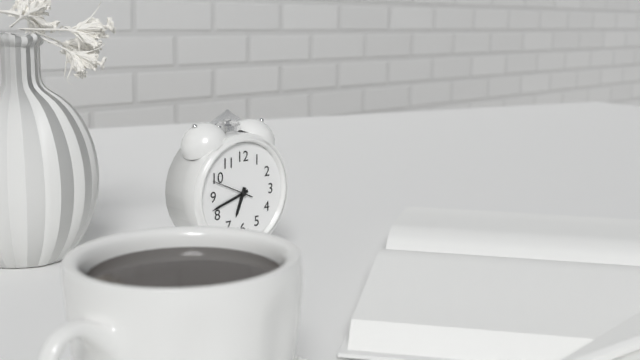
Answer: 6,42
